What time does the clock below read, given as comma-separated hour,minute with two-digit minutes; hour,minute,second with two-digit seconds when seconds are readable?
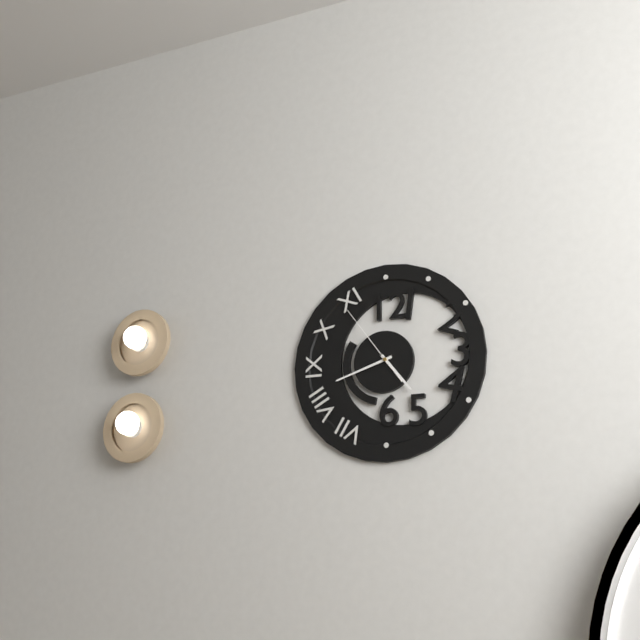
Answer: 4,42,54
